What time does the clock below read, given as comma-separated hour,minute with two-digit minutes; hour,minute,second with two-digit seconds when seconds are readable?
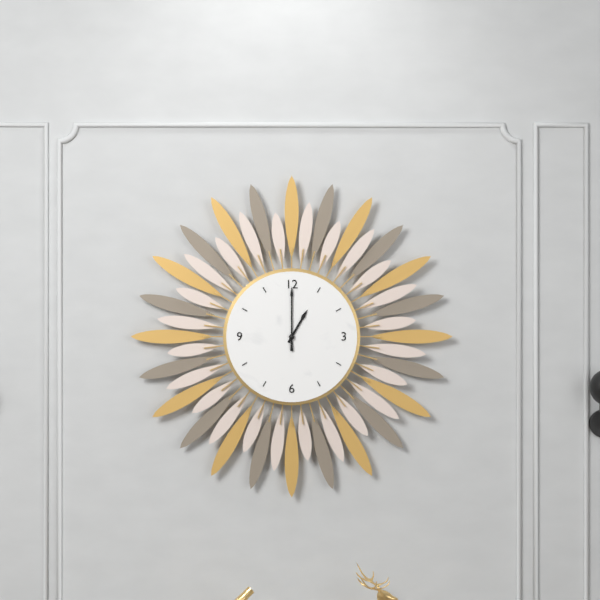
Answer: 1,00
